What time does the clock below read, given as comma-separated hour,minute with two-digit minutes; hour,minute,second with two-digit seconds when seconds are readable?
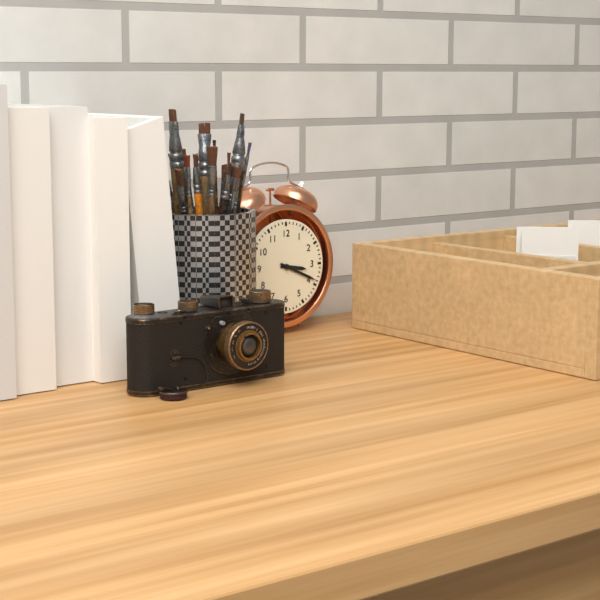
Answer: 3,19
